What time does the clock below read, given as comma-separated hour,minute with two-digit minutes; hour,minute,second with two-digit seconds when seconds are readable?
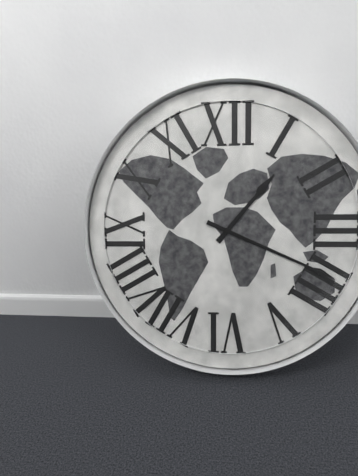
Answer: 1,19
